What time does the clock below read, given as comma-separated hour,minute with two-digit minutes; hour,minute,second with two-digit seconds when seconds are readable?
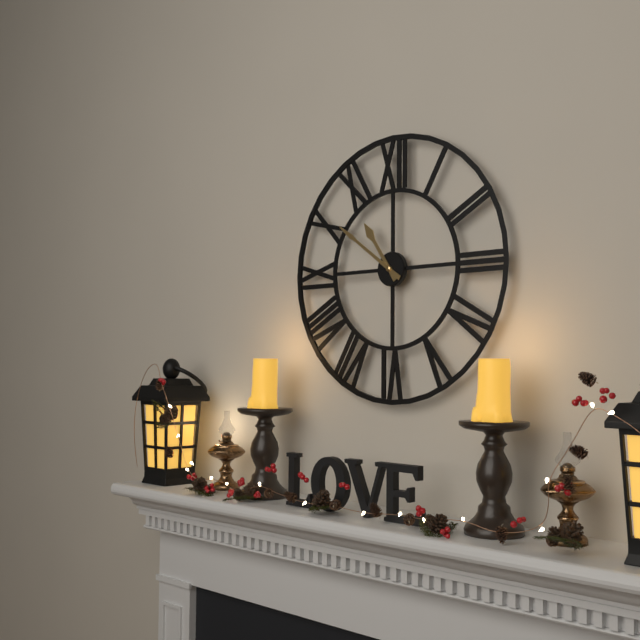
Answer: 10,51
